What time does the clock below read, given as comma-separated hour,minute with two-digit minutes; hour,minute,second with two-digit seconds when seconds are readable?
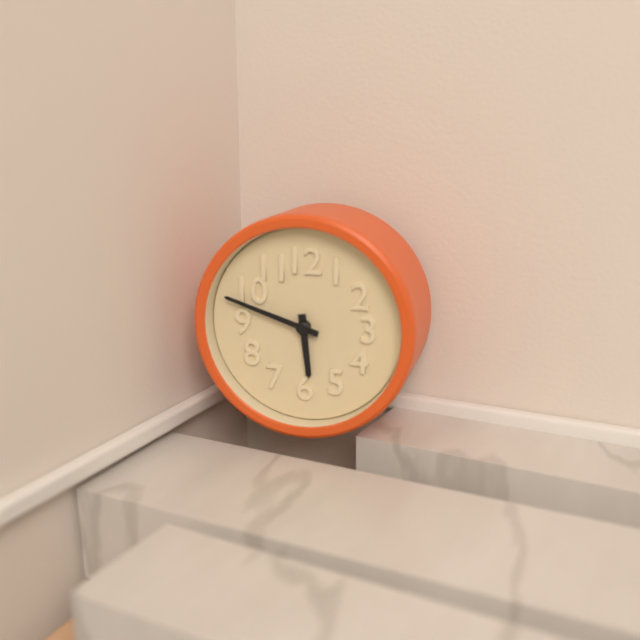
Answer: 5,48
